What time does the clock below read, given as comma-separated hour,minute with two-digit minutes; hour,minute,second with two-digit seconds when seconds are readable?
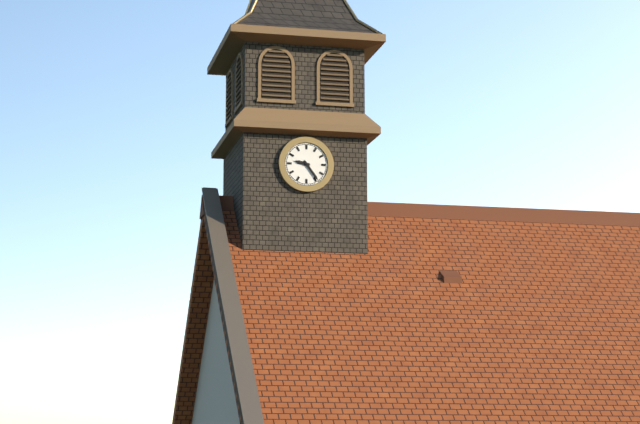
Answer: 9,24
